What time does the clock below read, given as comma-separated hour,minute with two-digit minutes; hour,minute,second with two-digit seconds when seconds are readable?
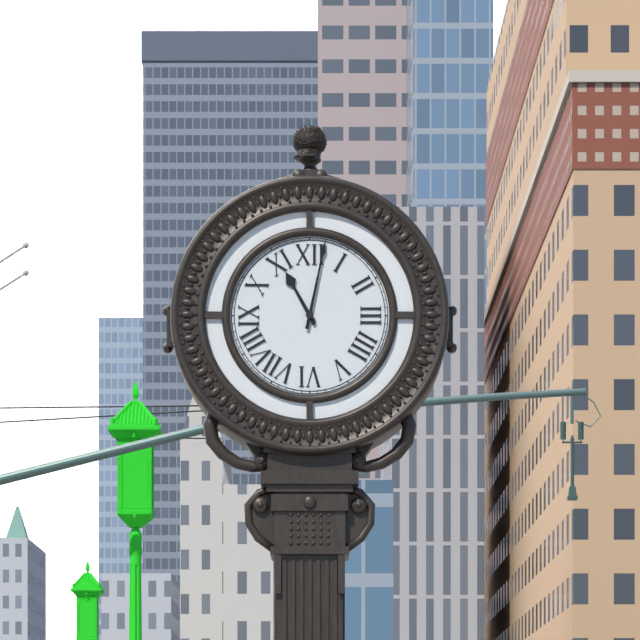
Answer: 11,02
